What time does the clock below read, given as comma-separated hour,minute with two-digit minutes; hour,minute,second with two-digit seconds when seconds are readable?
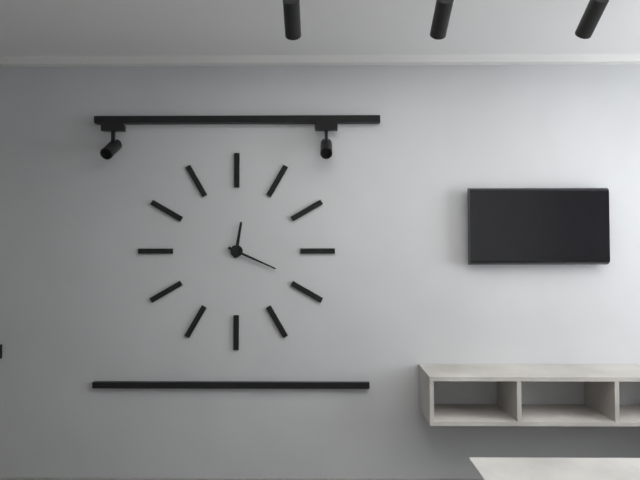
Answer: 12,19
